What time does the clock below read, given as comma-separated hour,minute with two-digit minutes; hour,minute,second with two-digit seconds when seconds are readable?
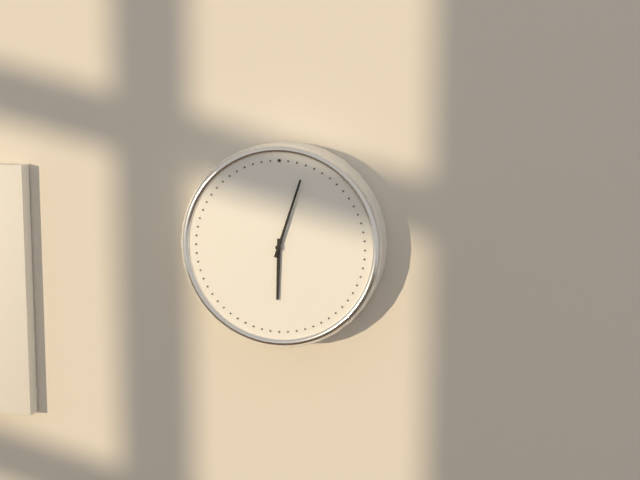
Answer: 6,03
